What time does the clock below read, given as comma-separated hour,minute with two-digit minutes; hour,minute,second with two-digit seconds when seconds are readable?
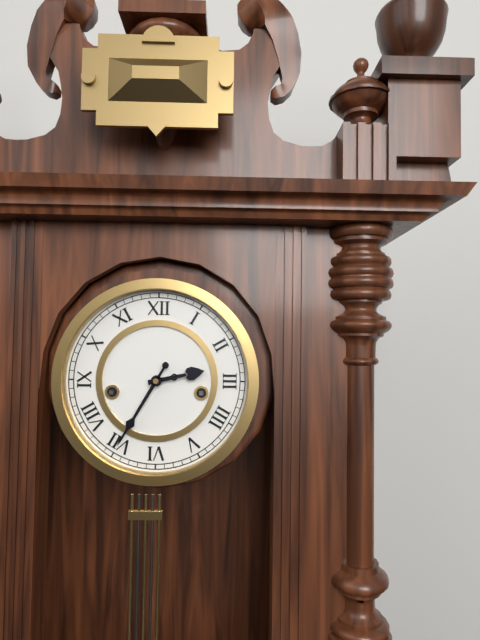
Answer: 2,35
